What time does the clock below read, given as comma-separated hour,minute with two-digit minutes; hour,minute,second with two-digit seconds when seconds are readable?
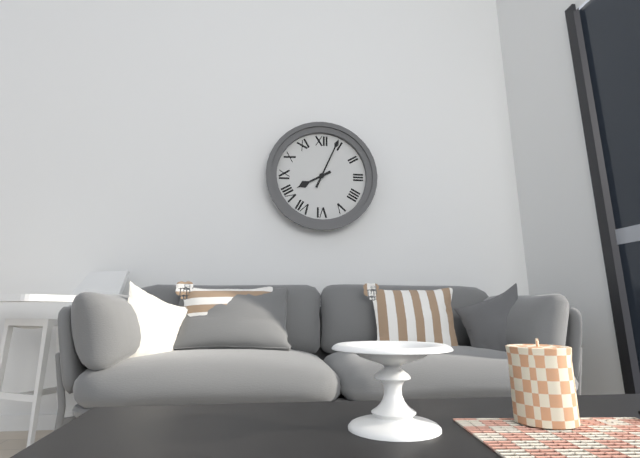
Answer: 8,04
